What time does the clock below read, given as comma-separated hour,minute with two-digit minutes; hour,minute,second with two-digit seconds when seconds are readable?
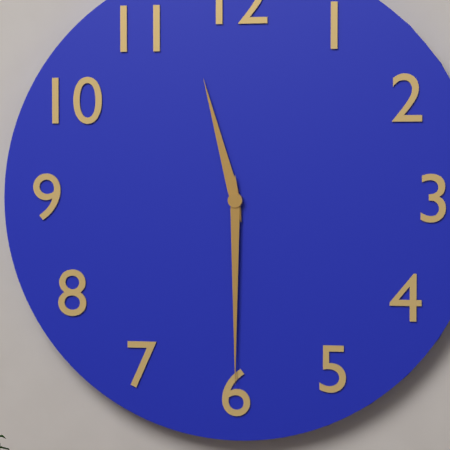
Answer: 11,30
